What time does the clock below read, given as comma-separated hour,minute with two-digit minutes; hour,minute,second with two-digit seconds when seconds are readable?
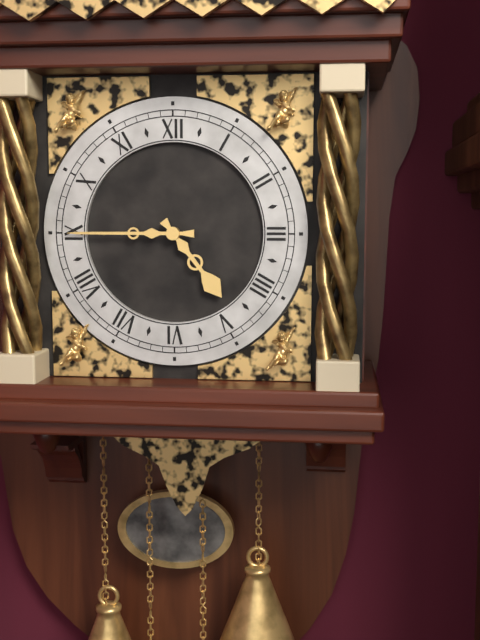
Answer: 4,45
